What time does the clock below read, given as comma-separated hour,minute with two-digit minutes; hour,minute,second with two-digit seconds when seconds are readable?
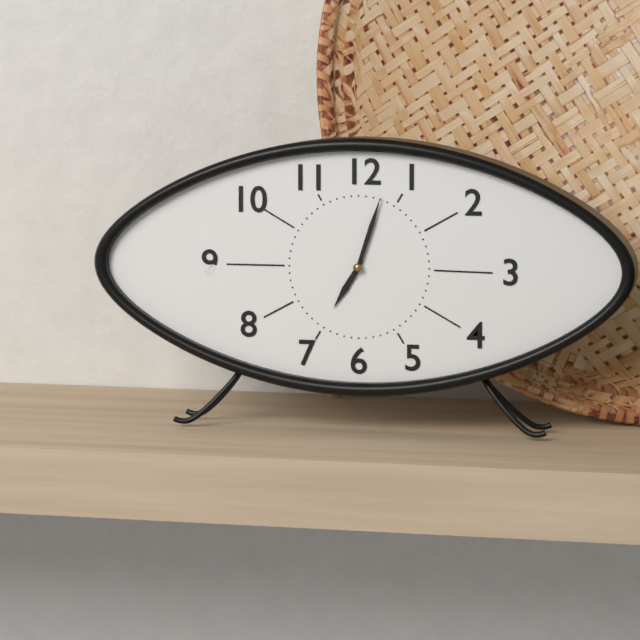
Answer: 7,03
